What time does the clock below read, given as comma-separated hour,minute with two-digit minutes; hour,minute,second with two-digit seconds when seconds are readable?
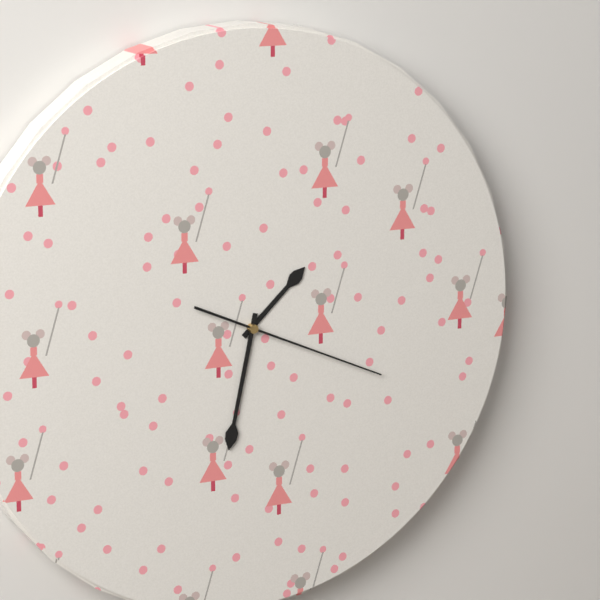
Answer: 1,32,19
